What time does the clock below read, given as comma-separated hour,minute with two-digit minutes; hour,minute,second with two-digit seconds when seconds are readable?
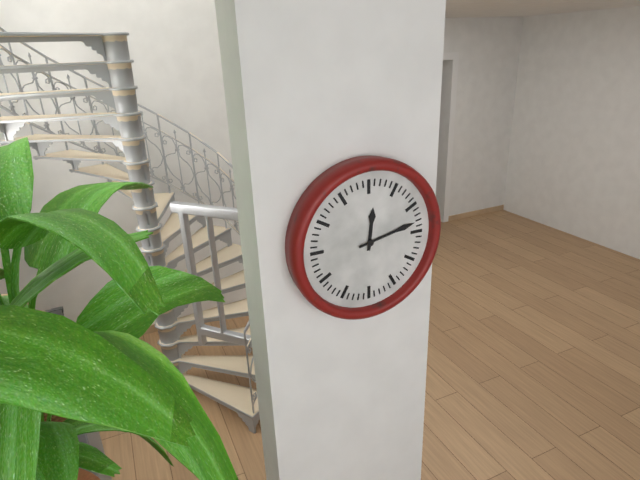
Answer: 12,13
